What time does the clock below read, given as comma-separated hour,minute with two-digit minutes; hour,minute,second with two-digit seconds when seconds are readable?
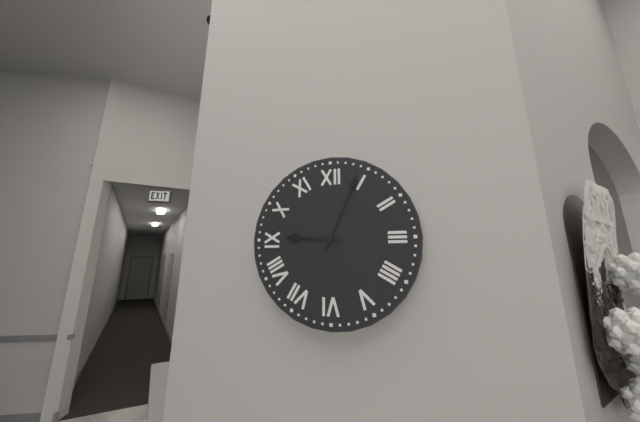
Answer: 9,04
